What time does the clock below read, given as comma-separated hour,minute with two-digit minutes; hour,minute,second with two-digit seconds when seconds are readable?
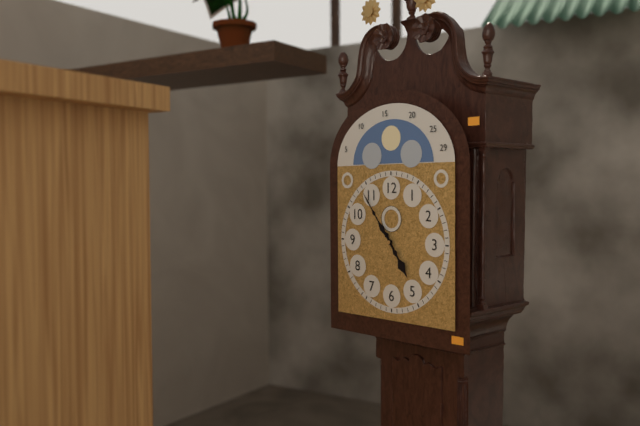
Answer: 4,54
